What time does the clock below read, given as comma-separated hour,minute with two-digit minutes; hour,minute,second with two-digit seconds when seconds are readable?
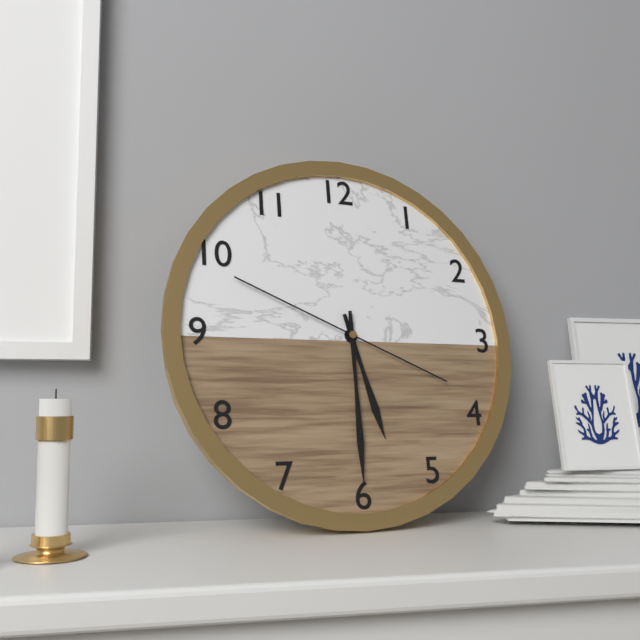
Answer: 5,30,49
